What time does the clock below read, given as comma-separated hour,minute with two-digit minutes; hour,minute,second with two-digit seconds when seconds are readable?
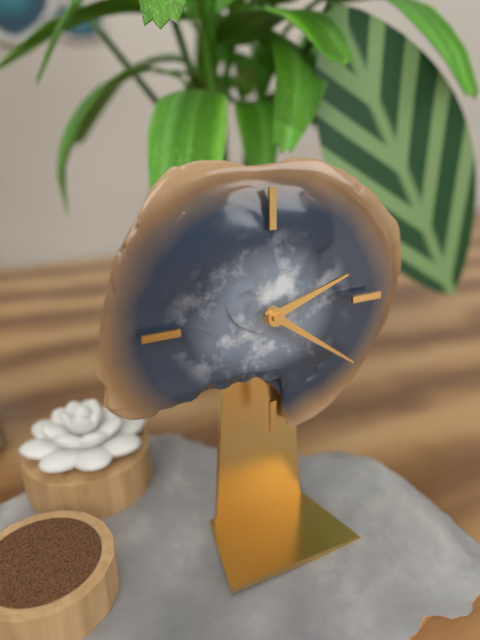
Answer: 2,21
